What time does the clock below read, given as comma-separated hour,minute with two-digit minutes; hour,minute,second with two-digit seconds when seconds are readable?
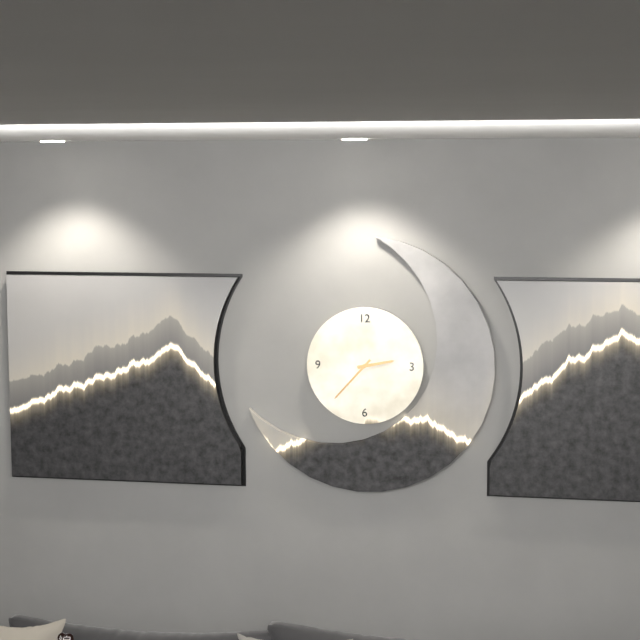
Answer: 2,37
